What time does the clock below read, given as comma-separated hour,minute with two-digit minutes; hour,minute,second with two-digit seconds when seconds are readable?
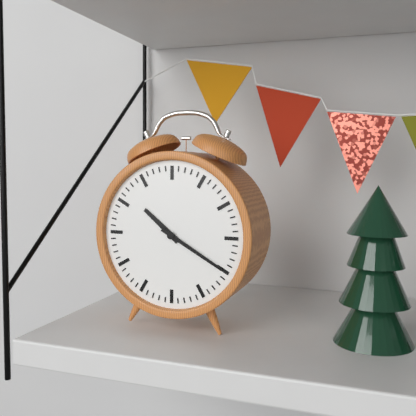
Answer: 10,20
